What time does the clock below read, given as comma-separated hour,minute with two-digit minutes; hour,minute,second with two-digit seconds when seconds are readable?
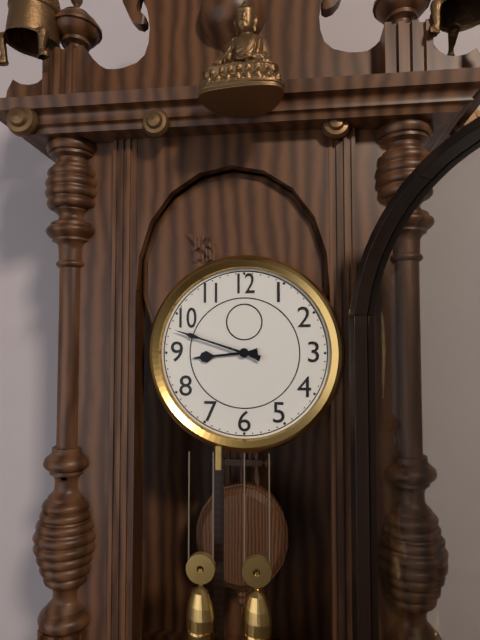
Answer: 8,48
